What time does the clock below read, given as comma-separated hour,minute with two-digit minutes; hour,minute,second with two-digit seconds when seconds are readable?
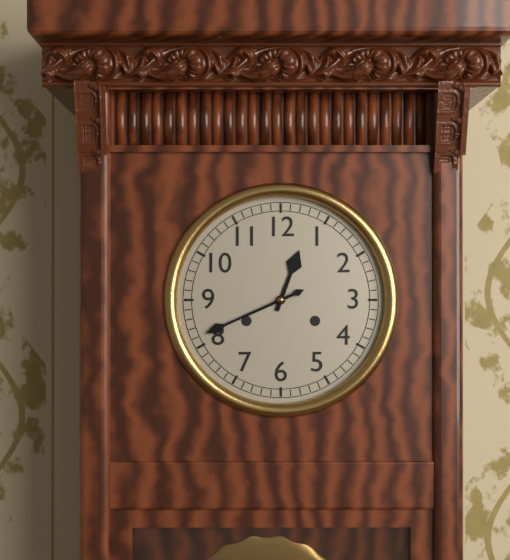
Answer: 12,41
